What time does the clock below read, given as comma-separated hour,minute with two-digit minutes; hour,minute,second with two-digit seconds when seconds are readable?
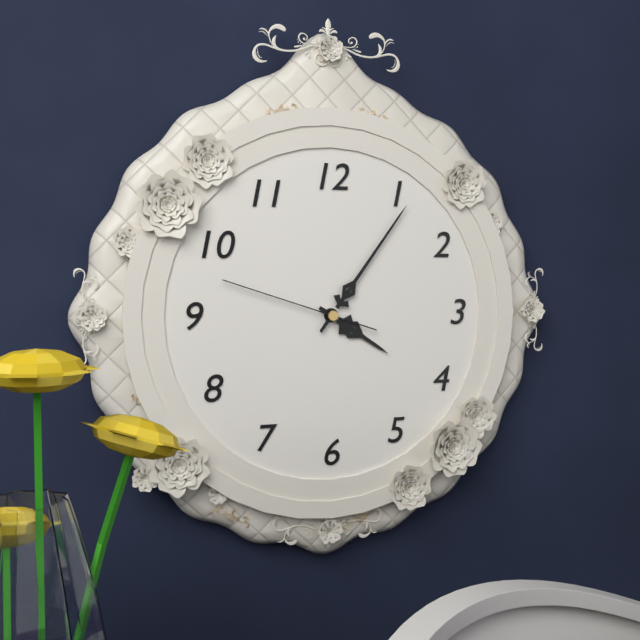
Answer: 4,06,48
